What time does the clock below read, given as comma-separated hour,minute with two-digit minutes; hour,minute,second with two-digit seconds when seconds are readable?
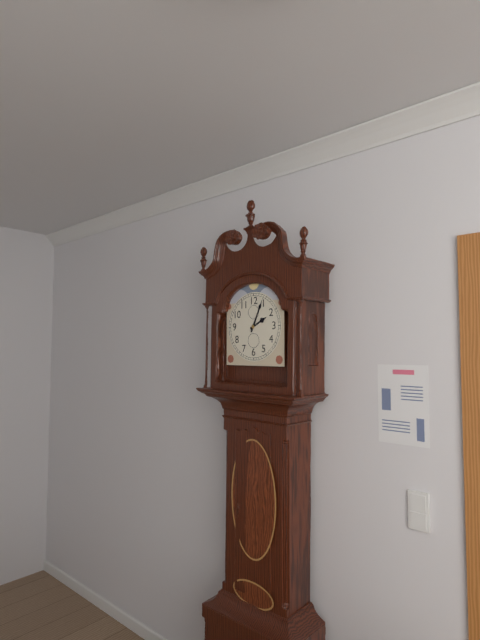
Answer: 2,04
